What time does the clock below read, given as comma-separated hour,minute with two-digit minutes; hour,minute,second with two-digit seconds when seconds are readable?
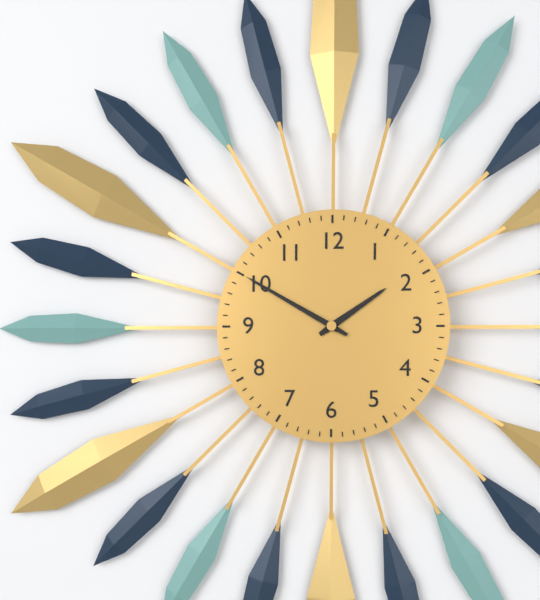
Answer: 1,50
